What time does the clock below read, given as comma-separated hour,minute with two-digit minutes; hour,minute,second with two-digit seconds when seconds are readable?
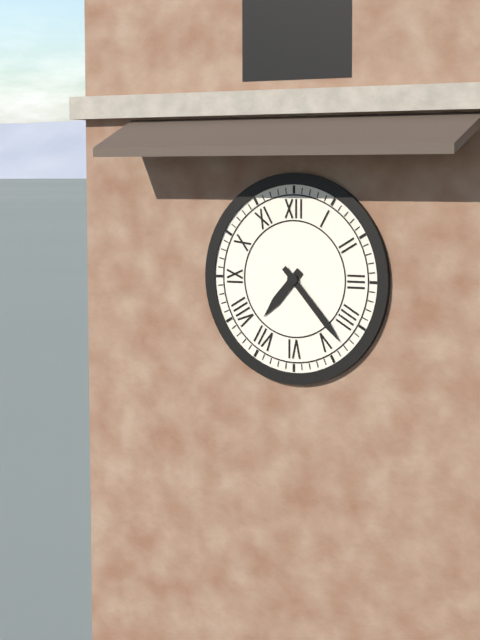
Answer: 7,23
